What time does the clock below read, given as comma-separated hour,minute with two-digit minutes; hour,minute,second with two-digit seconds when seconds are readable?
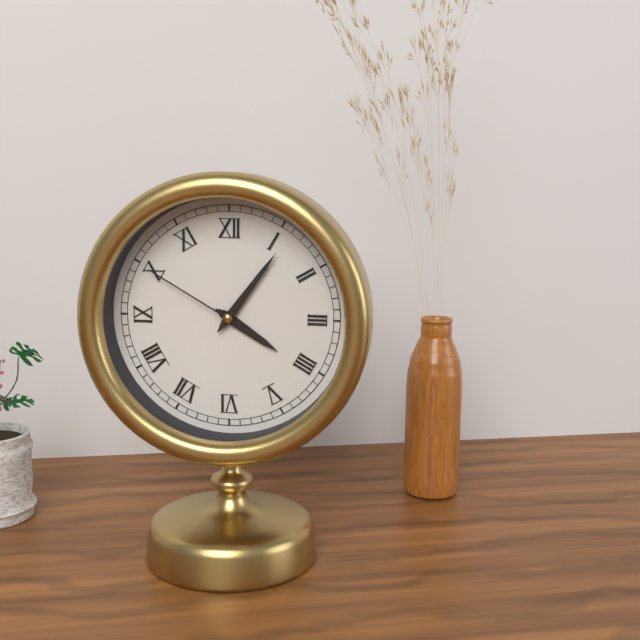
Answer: 4,06,50
